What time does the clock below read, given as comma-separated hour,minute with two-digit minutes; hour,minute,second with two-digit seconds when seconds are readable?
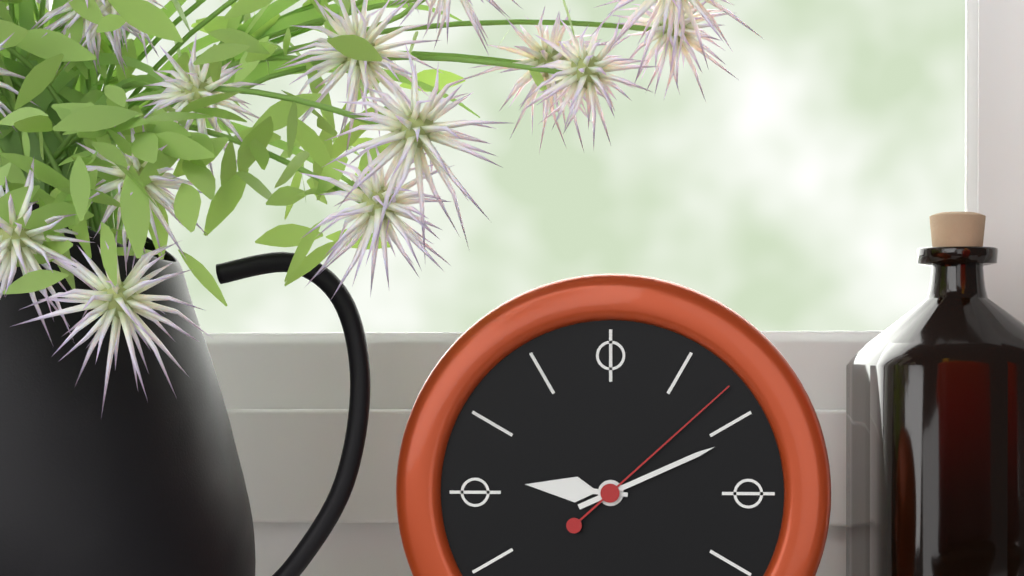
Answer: 9,11,08
